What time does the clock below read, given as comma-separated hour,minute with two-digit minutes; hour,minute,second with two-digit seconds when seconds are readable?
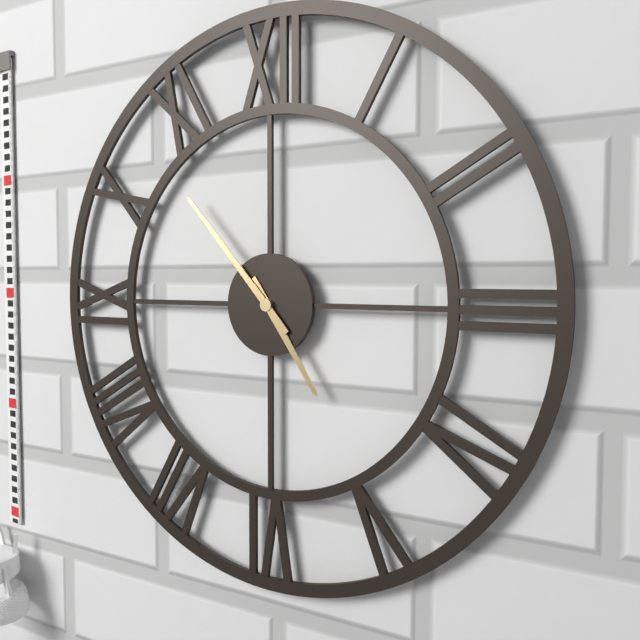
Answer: 4,53
